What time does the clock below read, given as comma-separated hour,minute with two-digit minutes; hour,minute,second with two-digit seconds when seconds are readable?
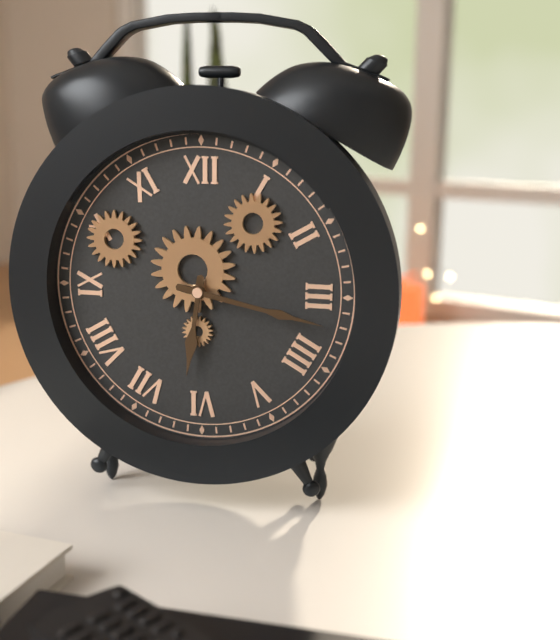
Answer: 6,17
